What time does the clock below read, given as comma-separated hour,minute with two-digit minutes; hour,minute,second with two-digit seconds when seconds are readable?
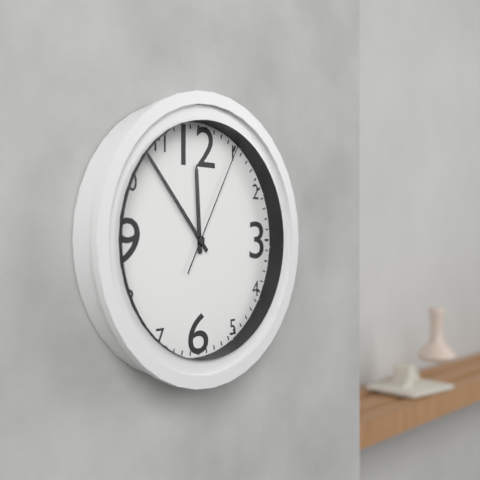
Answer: 11,53,05
